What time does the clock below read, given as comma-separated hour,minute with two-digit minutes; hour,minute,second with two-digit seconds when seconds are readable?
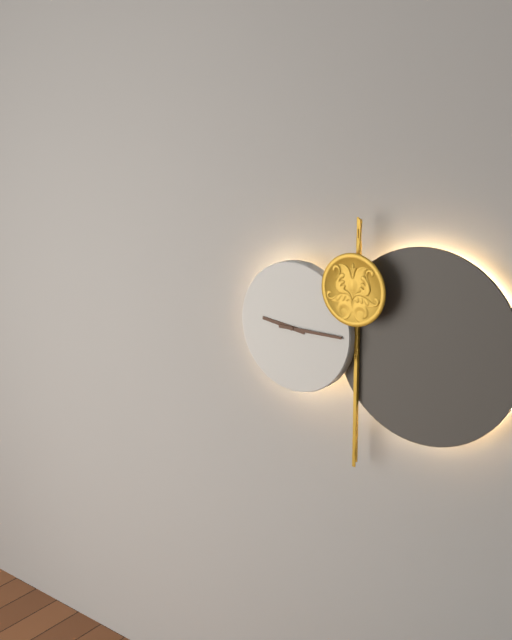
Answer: 9,15
